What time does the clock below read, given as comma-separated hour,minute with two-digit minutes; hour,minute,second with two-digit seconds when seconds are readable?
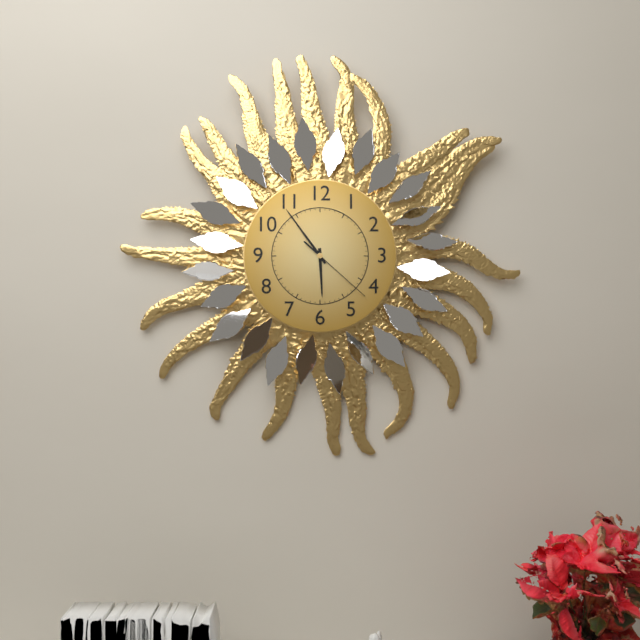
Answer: 5,54,22
